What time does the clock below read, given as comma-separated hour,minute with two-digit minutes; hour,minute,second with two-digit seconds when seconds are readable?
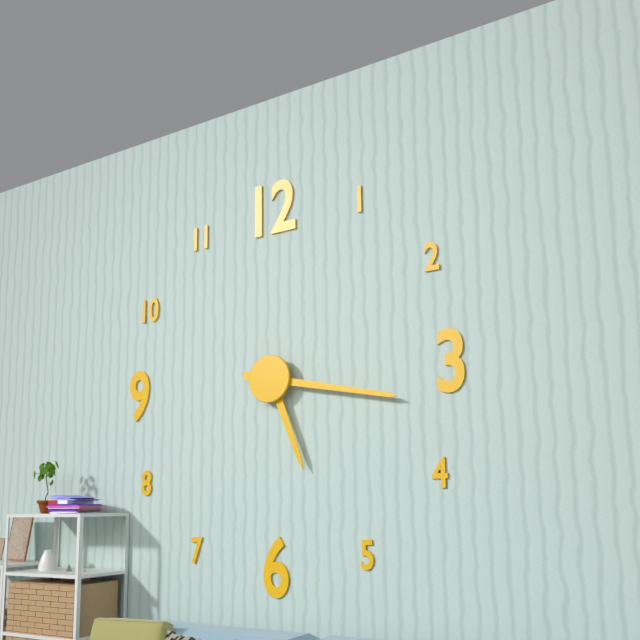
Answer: 5,17
